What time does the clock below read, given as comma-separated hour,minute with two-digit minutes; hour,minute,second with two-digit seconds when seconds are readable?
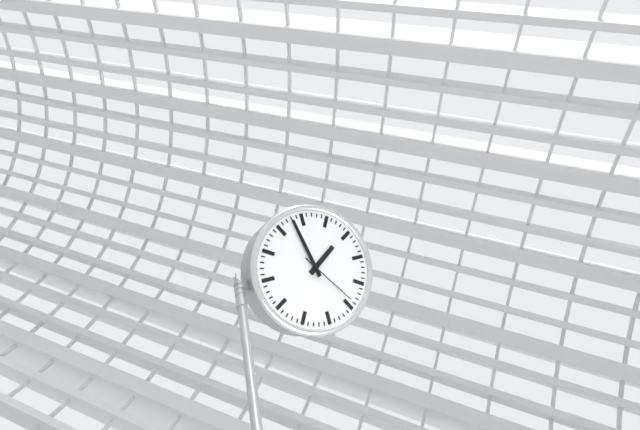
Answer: 12,53,19
